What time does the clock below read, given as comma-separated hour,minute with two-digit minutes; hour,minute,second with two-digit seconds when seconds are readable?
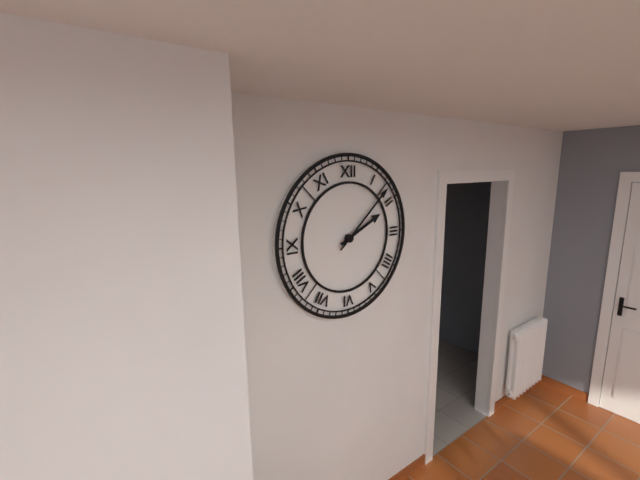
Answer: 2,08
